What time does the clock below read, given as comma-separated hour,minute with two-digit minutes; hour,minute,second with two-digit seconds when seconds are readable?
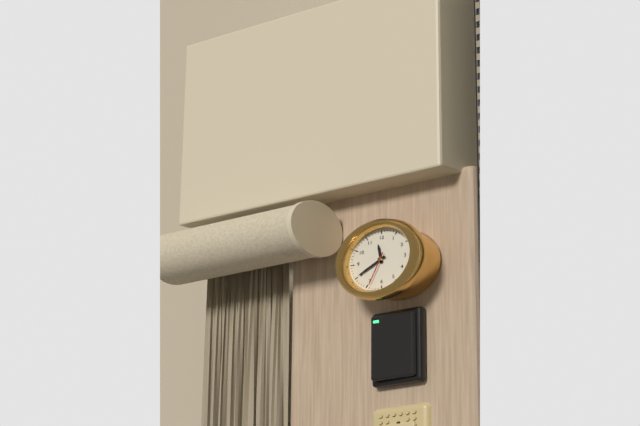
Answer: 11,40
